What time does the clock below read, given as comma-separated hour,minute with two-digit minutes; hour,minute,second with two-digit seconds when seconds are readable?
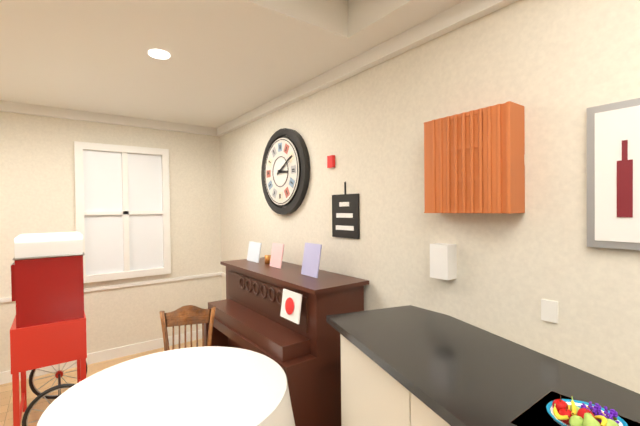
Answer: 3,10
